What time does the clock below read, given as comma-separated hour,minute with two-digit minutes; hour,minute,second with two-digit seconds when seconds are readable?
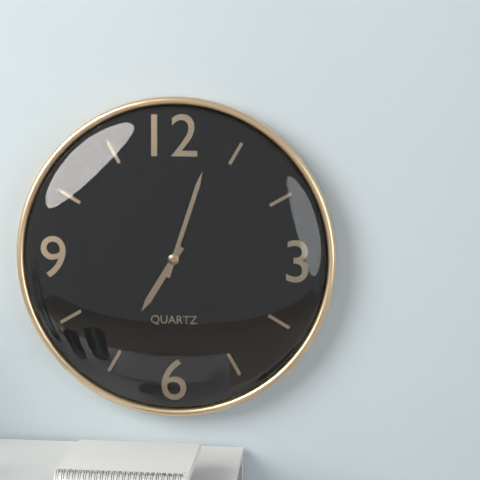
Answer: 7,03
